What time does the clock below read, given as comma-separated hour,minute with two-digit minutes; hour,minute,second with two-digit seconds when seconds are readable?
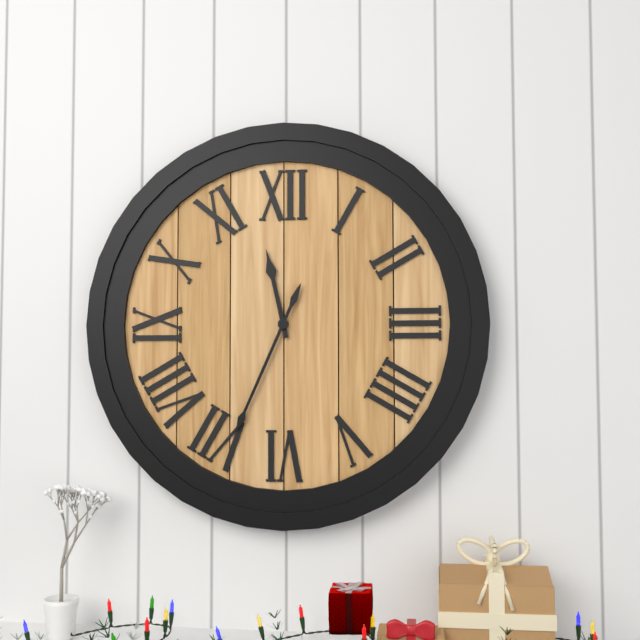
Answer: 11,34
